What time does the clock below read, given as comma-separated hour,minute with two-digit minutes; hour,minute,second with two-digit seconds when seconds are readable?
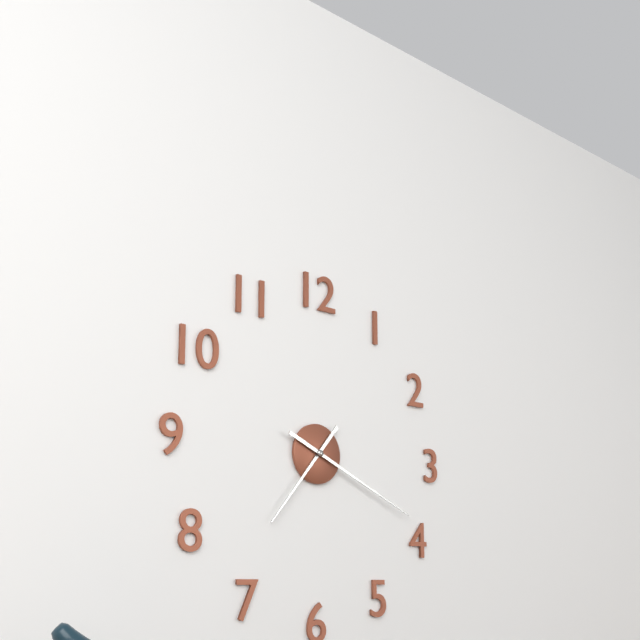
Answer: 7,19
